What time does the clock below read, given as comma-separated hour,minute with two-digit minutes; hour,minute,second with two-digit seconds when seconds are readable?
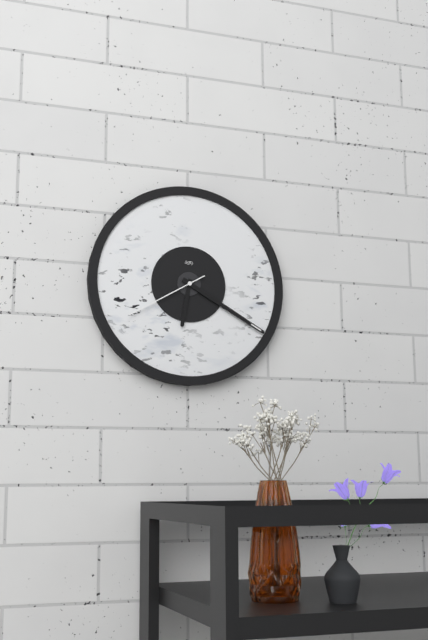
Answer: 6,20,40
